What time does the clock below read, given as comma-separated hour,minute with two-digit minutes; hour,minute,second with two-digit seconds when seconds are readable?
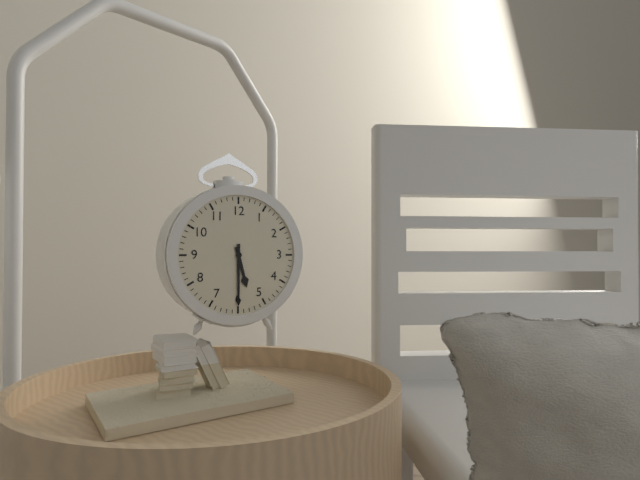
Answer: 5,30
